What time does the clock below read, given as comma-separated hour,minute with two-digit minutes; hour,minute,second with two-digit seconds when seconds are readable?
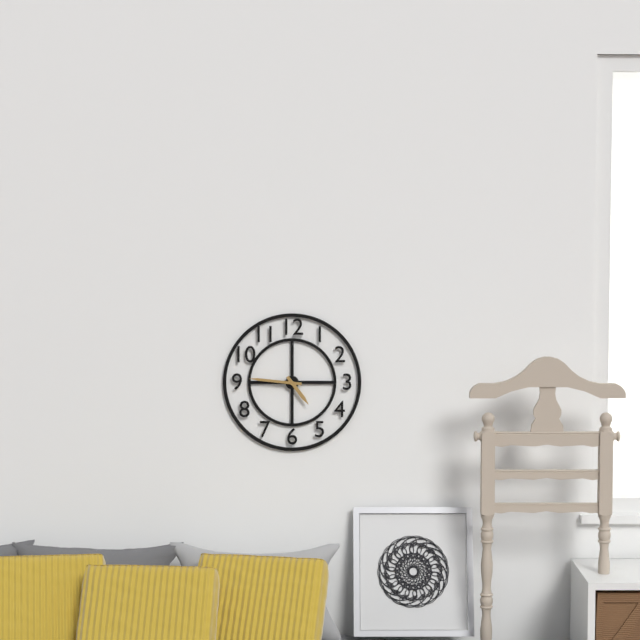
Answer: 4,46
